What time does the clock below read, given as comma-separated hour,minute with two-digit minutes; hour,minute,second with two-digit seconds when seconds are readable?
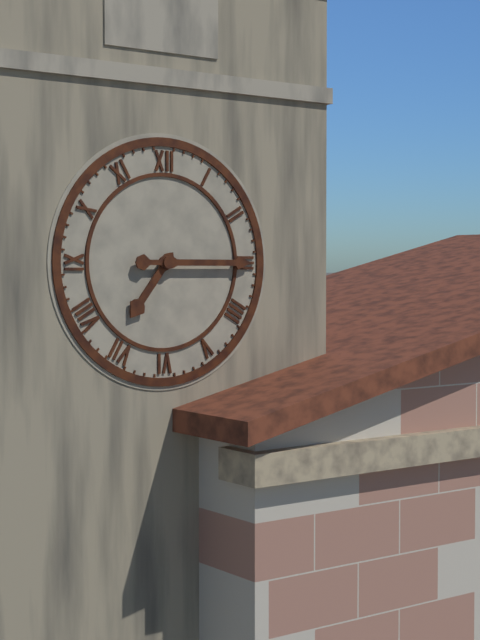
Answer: 7,15
